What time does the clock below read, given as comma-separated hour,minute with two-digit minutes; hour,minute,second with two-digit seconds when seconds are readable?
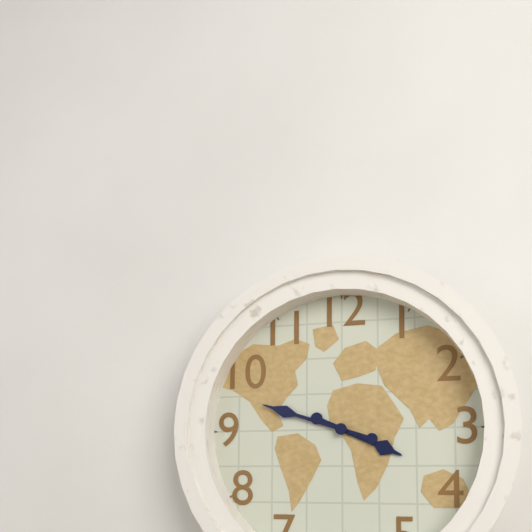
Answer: 3,48
